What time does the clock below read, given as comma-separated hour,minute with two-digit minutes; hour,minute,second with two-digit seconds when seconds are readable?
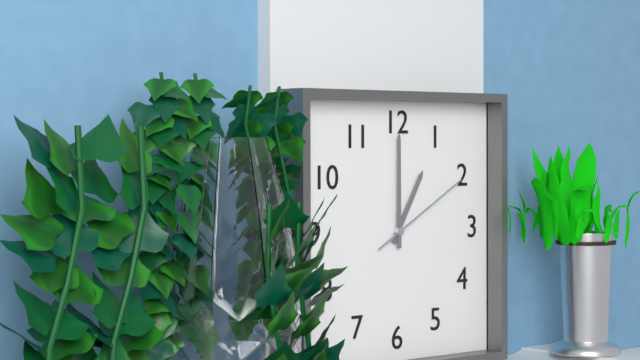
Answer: 1,00,10
